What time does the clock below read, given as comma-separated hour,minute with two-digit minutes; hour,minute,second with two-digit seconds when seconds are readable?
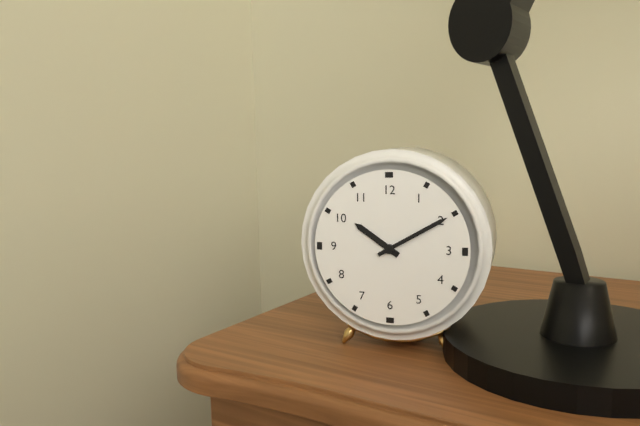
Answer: 10,10
